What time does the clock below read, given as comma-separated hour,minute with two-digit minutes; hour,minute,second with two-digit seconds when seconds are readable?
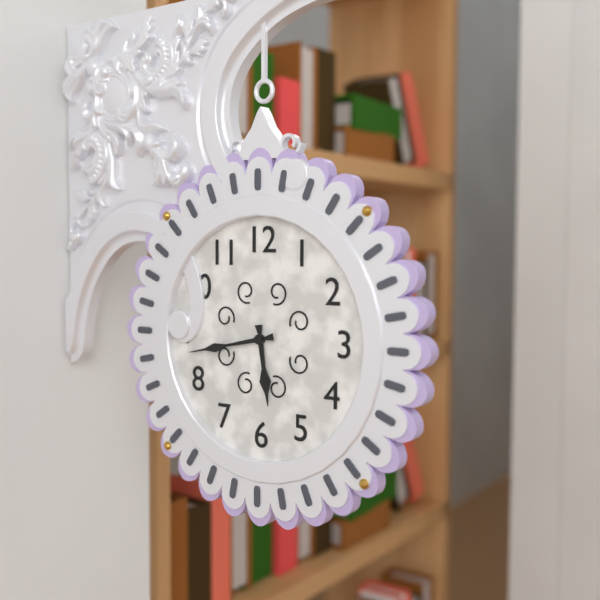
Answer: 5,43
